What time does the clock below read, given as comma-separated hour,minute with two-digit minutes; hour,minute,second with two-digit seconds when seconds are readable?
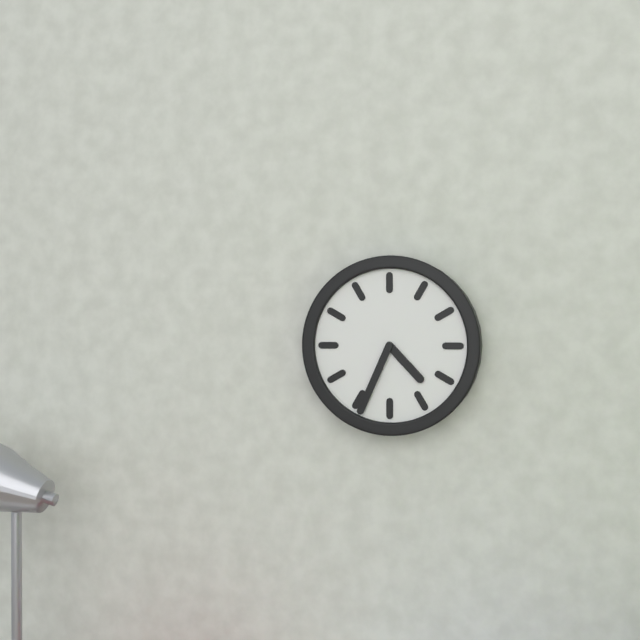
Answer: 4,34
